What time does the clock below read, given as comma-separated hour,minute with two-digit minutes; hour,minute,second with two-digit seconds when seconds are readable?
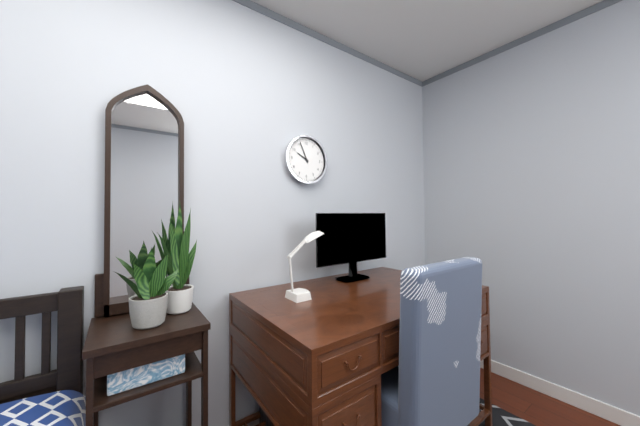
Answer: 9,56
